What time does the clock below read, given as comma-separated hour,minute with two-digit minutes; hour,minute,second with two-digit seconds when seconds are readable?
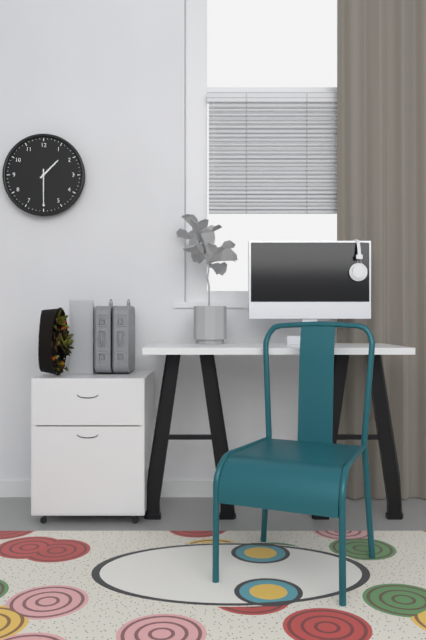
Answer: 1,30
